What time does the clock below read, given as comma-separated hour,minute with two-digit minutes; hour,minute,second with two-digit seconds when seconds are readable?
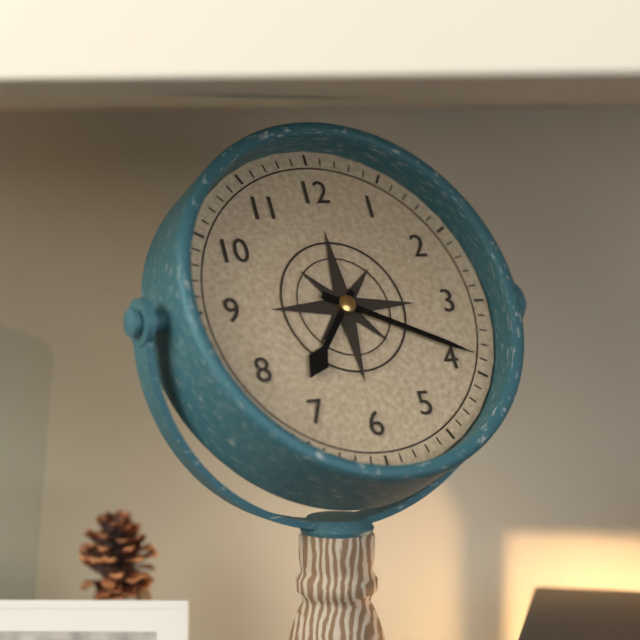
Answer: 7,19
